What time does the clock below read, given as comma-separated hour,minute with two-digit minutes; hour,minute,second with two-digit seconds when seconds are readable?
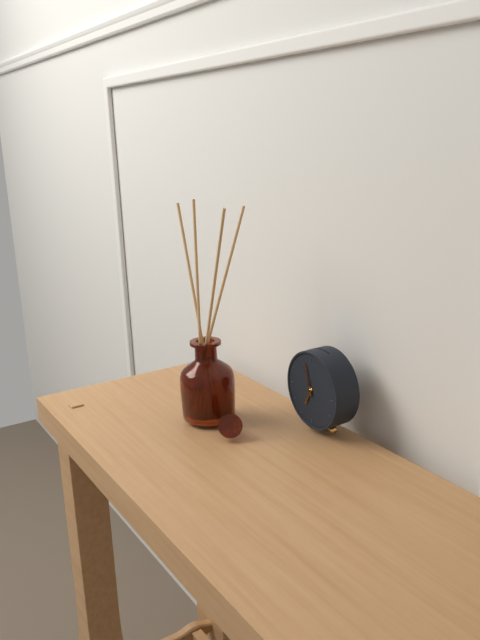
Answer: 6,57
